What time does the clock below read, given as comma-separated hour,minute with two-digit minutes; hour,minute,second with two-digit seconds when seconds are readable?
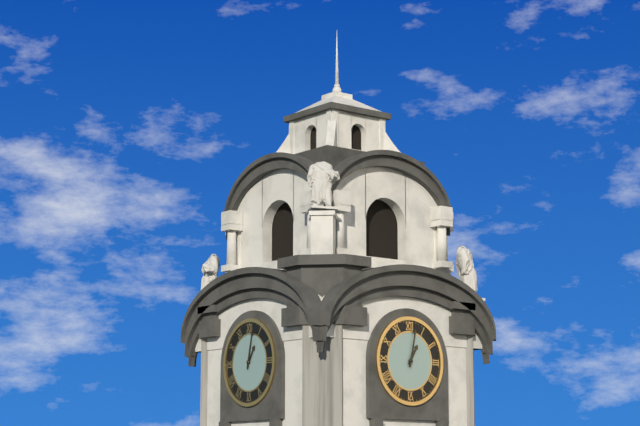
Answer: 1,02
